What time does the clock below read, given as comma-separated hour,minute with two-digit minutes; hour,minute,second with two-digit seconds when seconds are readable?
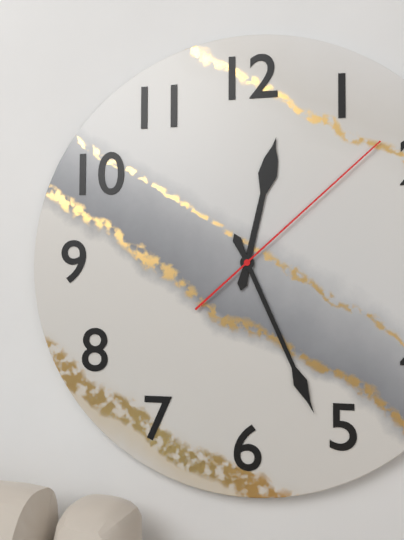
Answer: 12,26,08
